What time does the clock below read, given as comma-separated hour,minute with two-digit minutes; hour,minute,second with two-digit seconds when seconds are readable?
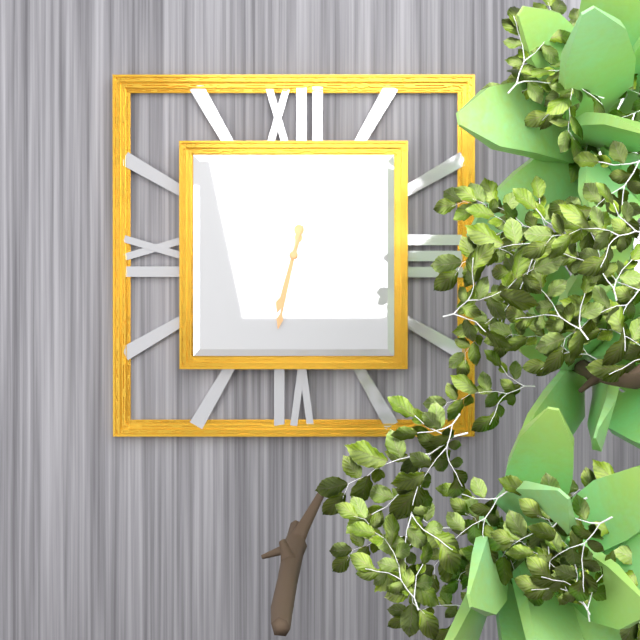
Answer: 6,32,03
